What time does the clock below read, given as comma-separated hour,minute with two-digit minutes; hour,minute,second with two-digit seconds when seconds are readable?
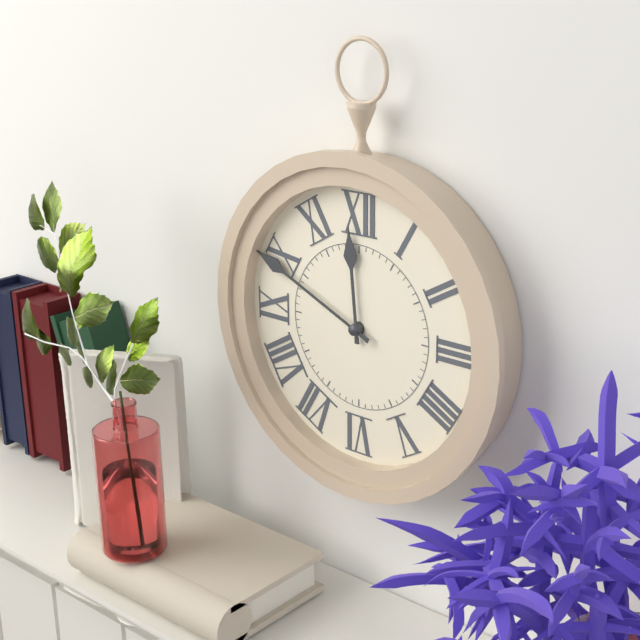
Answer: 11,49
